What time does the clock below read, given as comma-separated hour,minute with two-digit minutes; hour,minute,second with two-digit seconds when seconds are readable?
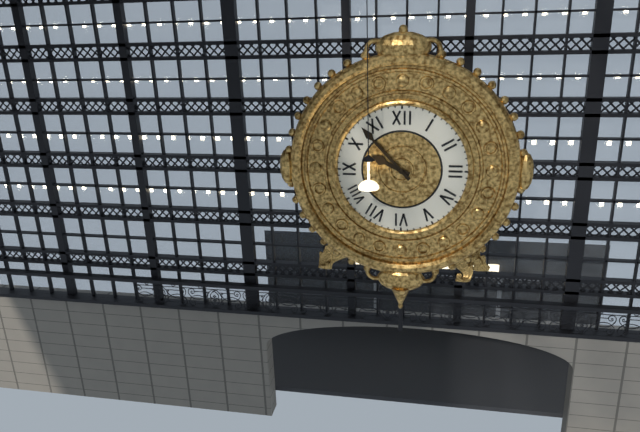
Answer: 9,53
